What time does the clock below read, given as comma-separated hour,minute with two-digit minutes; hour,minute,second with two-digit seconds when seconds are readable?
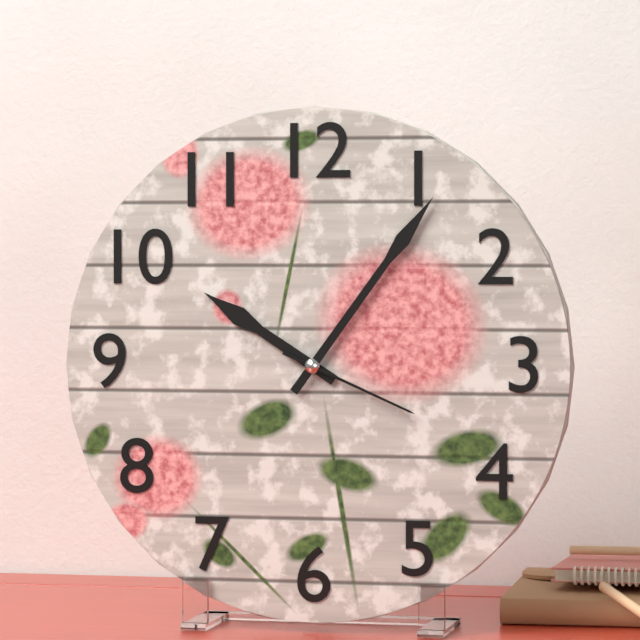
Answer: 10,06,19
